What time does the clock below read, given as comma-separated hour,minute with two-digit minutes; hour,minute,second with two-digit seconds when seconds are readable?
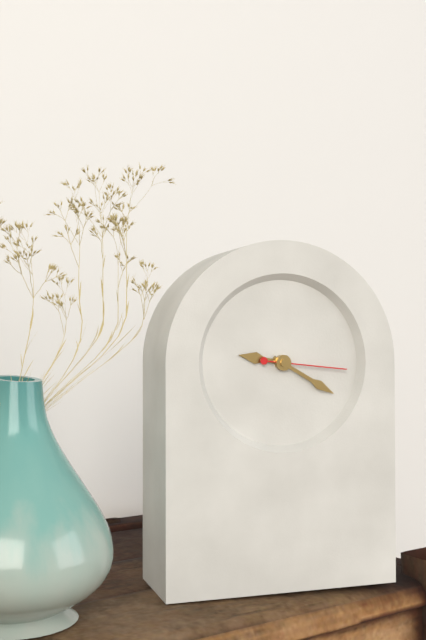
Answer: 9,20,16
